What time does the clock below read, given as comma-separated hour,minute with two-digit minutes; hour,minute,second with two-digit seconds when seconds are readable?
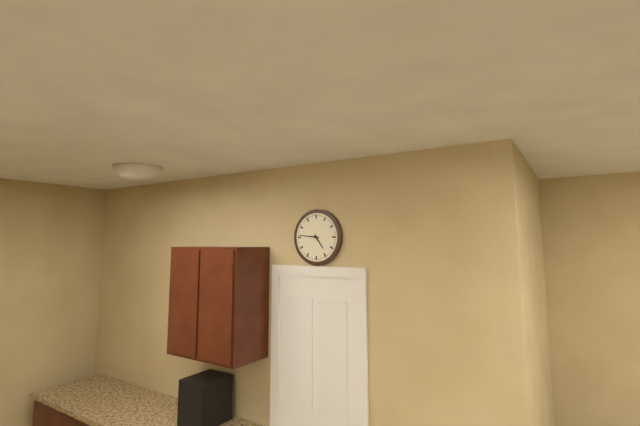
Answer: 4,46
